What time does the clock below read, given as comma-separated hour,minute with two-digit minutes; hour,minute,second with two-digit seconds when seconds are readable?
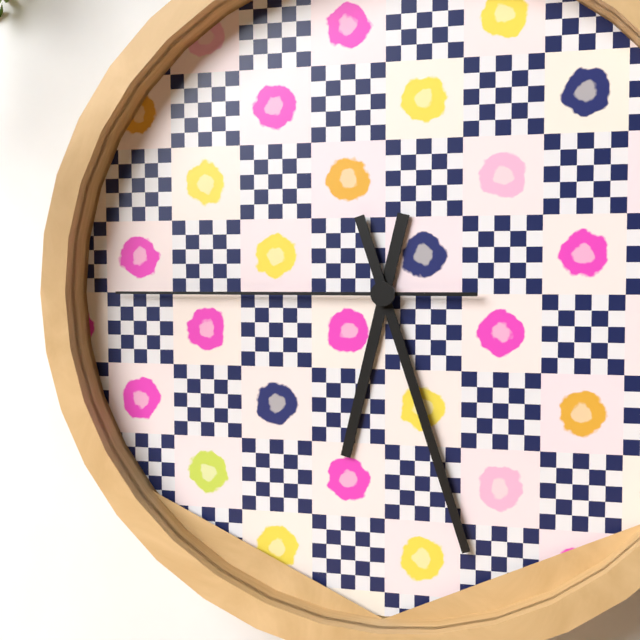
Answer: 6,27,45
